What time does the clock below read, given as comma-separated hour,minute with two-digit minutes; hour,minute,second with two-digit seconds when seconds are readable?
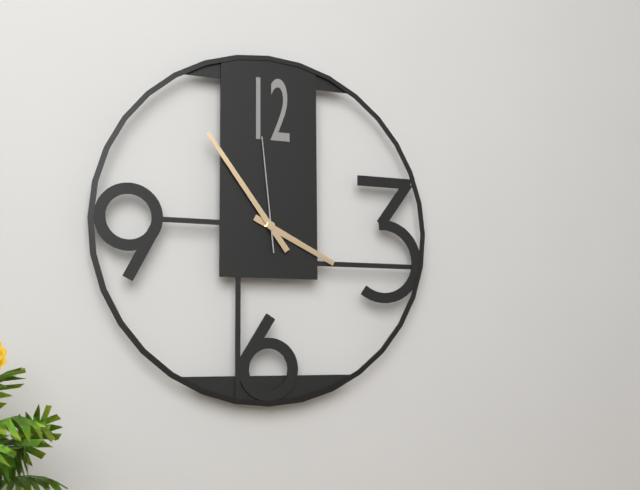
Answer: 3,54,59
